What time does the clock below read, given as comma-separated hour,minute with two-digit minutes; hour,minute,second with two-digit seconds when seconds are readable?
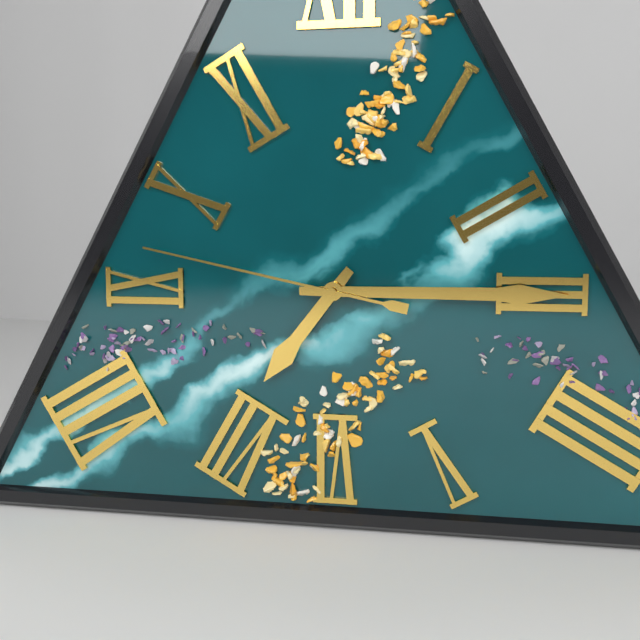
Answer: 7,15,47
